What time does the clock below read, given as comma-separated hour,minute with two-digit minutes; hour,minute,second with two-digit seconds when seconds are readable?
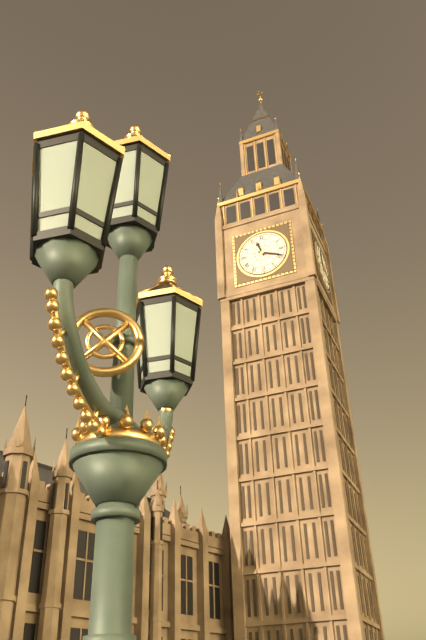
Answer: 11,19
